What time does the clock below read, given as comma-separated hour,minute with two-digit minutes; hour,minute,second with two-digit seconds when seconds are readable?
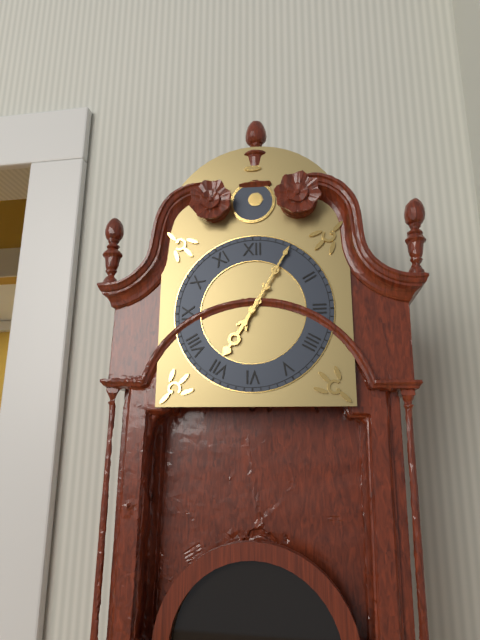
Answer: 7,05
